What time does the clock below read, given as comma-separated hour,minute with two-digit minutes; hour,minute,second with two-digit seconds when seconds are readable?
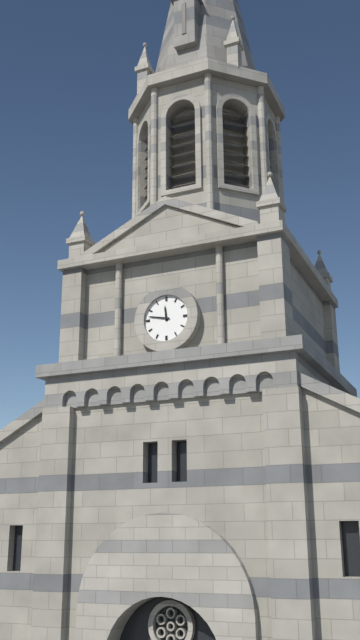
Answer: 11,47
